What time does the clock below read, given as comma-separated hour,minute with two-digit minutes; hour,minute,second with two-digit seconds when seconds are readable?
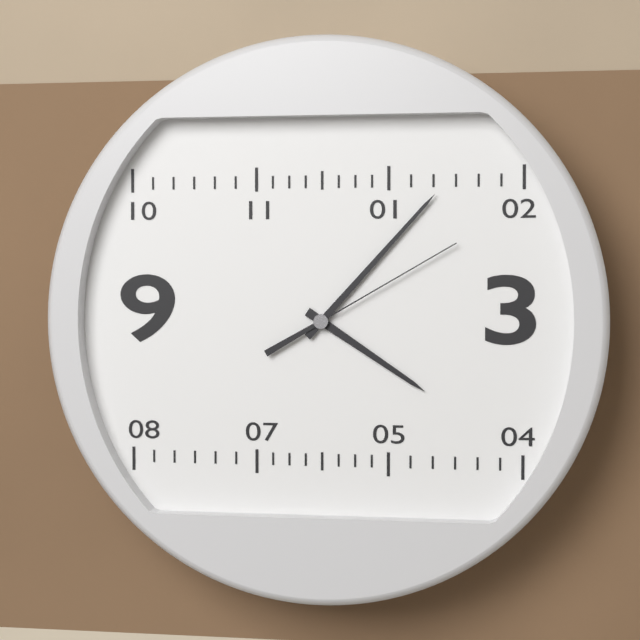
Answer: 4,07,10
